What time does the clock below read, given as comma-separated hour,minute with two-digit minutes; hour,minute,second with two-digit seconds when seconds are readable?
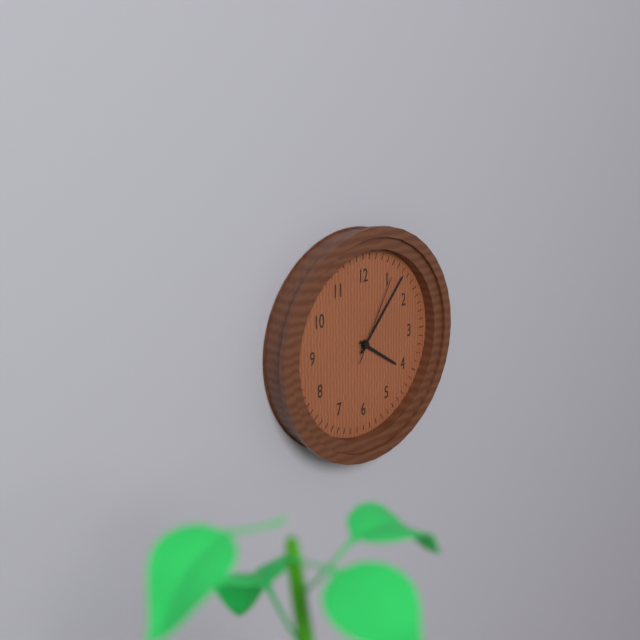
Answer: 4,07,05
